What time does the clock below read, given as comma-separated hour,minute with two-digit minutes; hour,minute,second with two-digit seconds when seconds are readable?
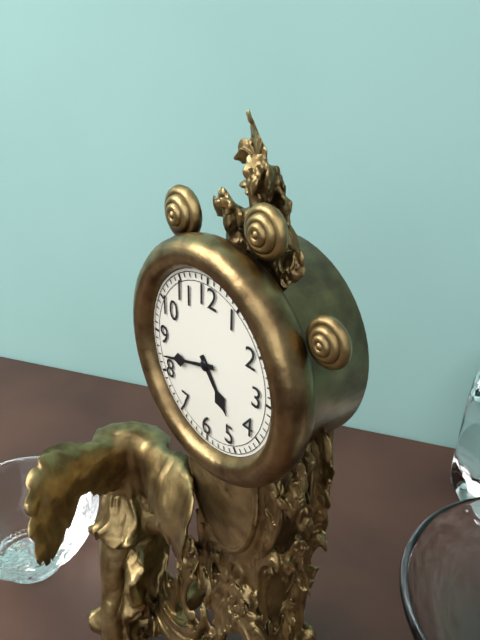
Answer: 4,42
